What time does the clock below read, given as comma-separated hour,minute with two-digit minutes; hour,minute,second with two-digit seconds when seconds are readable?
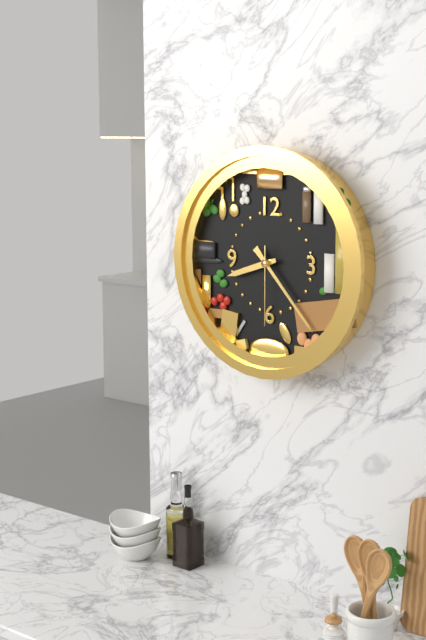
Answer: 8,23,30
